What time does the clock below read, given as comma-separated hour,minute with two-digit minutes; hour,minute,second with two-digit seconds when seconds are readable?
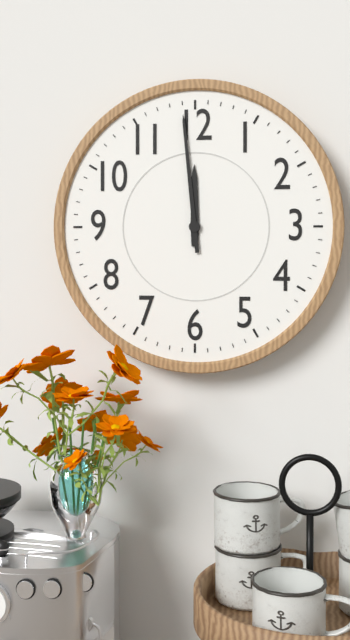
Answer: 11,59
